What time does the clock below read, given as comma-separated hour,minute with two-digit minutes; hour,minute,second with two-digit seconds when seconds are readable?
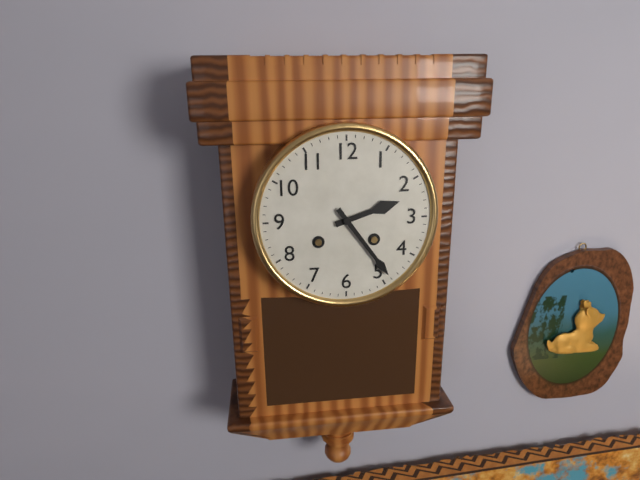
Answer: 2,24
